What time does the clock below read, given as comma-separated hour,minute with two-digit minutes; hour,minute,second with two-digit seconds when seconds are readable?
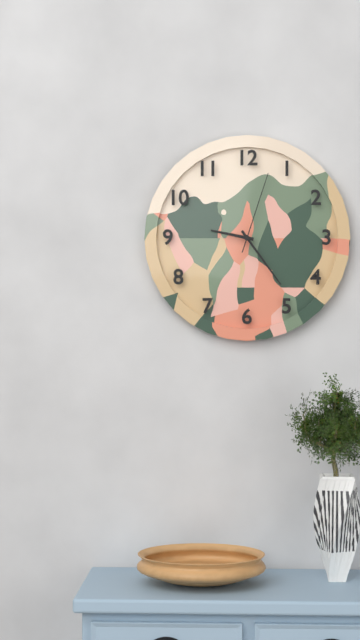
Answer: 9,24,03
